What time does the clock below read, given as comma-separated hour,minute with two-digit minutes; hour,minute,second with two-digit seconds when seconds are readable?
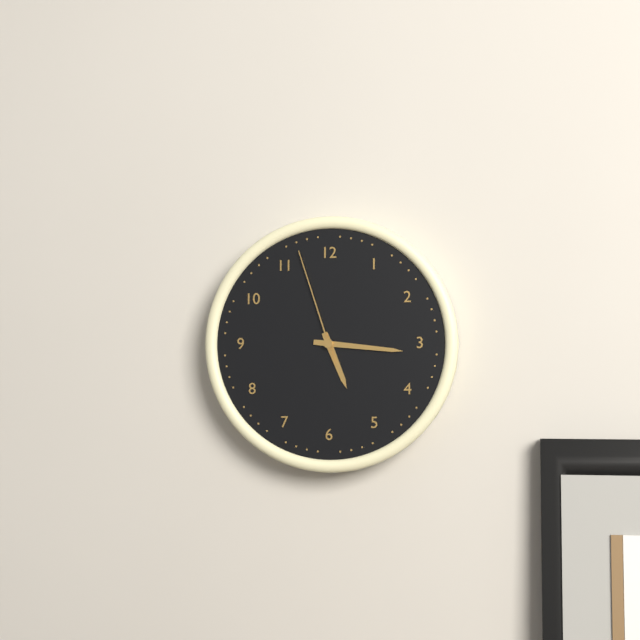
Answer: 5,16,57
